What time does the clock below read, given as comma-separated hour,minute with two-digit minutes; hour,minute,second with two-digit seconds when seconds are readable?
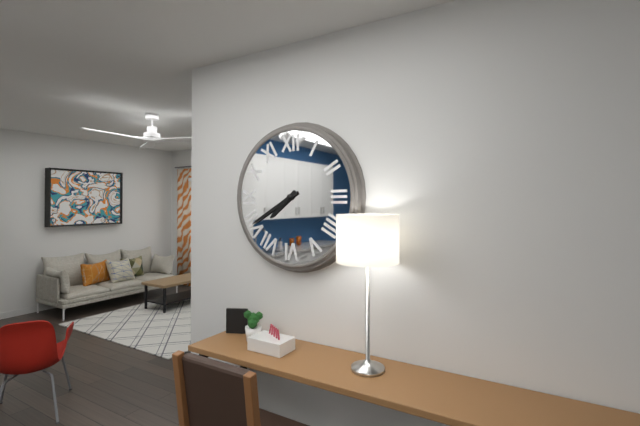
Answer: 7,40
